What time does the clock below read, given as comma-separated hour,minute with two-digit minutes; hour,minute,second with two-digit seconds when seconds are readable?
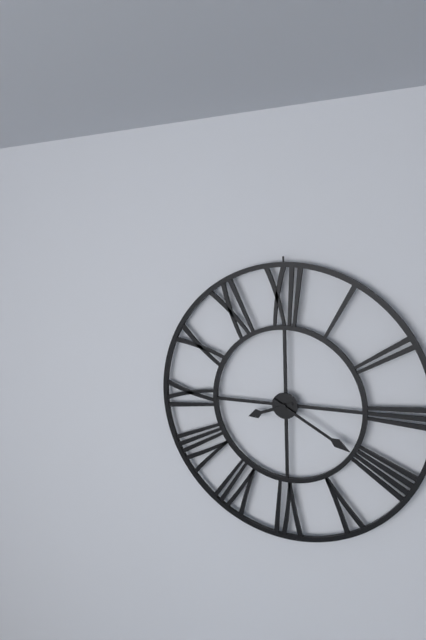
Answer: 8,20
